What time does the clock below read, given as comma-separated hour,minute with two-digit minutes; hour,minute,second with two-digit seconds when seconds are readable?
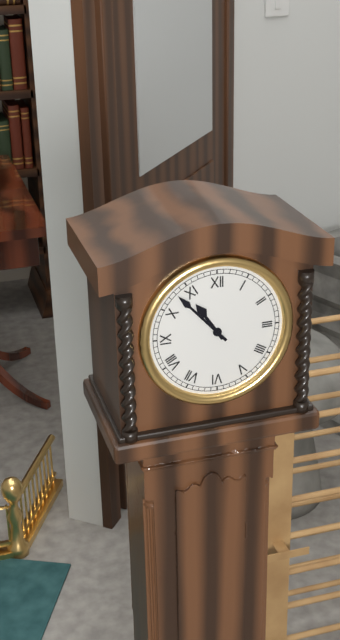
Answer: 10,53
